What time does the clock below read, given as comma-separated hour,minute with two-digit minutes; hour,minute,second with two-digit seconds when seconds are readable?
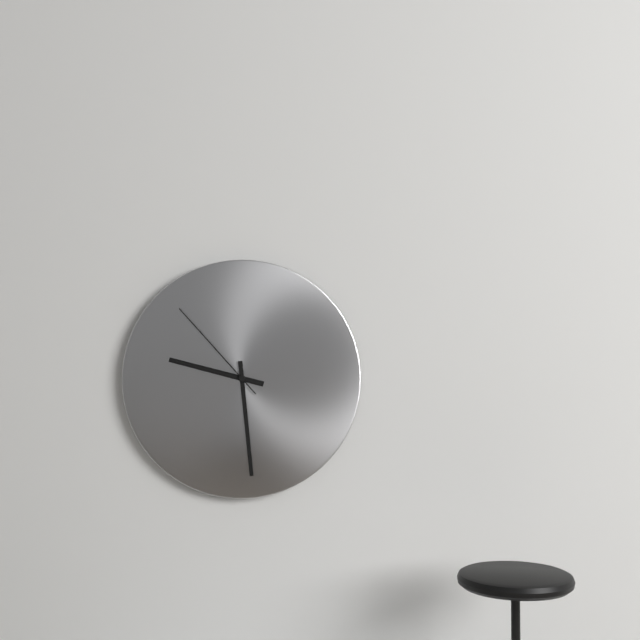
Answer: 9,29,53
